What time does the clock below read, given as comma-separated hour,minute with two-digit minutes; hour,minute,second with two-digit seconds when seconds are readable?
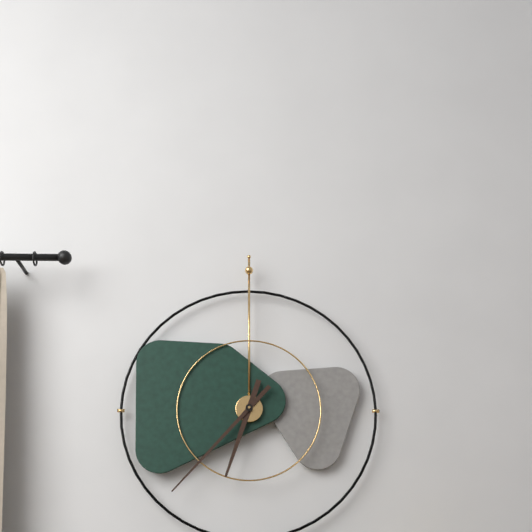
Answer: 6,37
